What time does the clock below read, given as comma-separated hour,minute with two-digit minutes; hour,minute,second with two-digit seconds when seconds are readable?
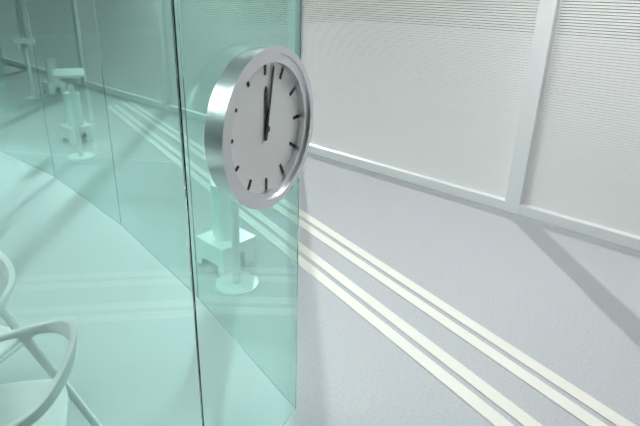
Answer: 12,02
